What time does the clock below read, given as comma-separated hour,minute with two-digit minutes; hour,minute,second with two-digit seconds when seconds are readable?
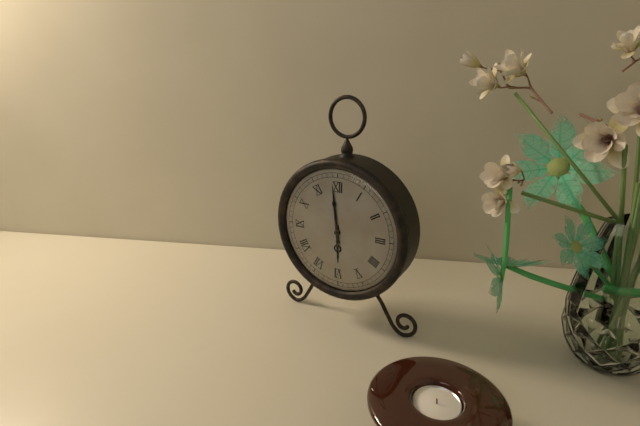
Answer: 5,59
